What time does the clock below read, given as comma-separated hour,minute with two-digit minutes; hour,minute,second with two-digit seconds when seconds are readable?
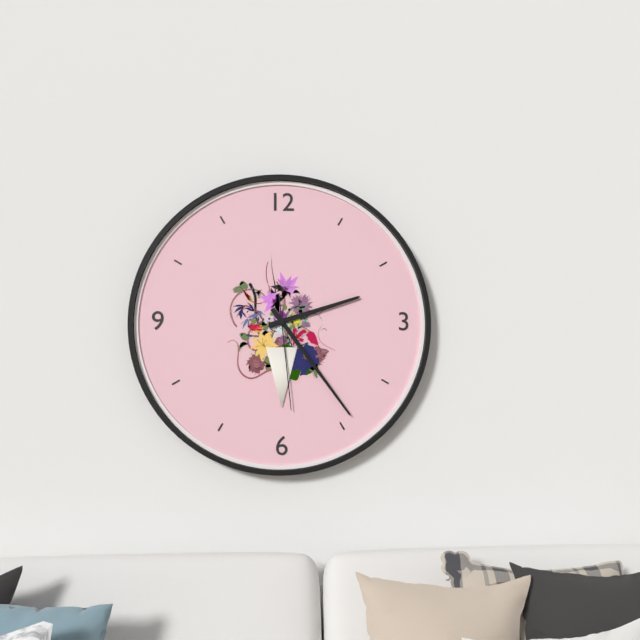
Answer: 2,24,29
